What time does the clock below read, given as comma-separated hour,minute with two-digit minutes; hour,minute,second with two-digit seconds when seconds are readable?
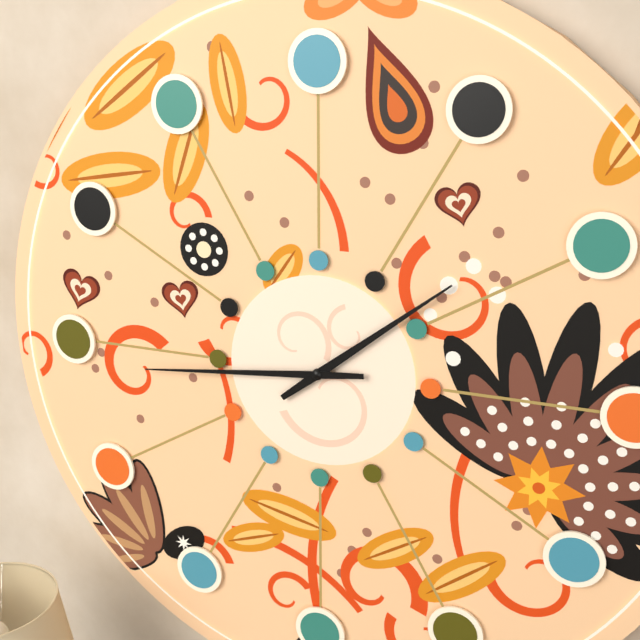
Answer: 1,44
